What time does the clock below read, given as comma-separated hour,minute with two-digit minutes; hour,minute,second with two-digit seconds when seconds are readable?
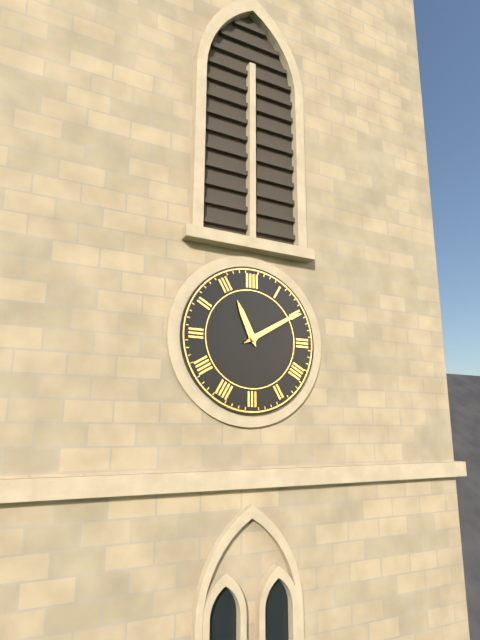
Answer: 11,10
